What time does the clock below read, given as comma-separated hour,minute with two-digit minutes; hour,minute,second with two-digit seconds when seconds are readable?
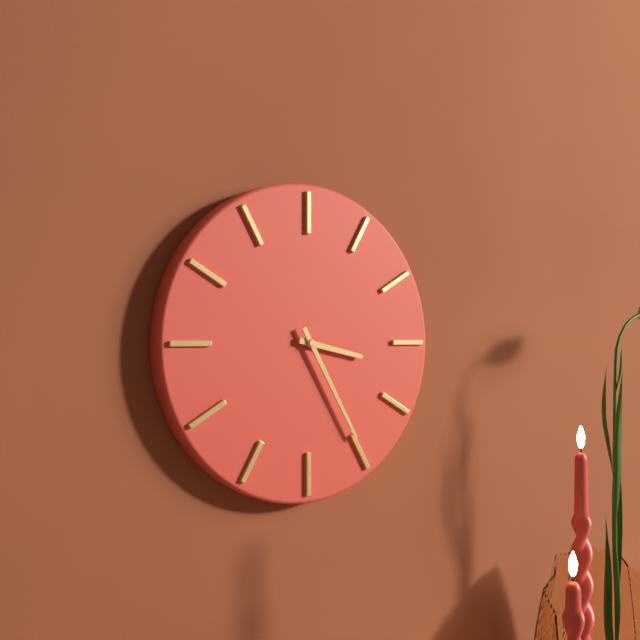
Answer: 3,25
